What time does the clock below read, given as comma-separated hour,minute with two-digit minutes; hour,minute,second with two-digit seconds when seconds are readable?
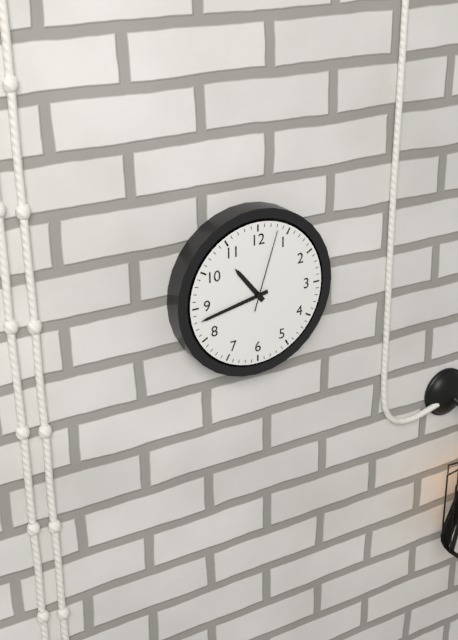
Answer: 10,43,03
